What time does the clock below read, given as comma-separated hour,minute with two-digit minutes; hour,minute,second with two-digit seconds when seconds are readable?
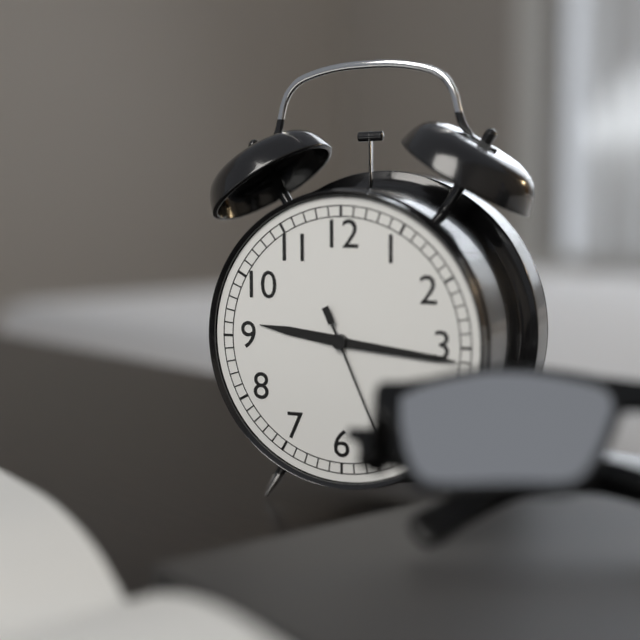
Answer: 9,16,26
